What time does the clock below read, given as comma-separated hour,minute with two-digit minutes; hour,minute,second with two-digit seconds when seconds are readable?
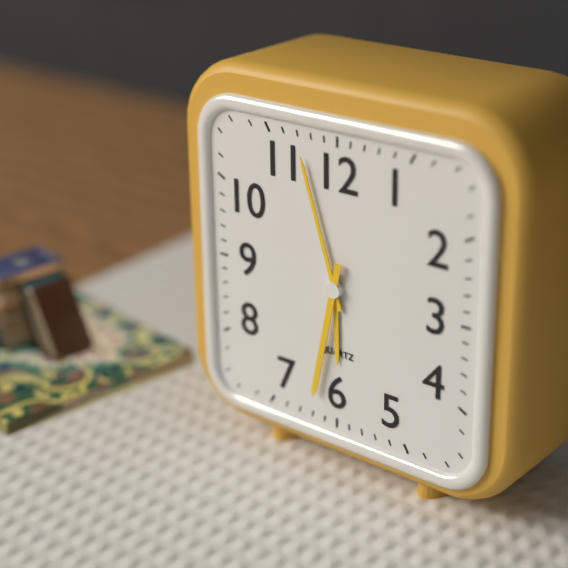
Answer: 5,57,32
